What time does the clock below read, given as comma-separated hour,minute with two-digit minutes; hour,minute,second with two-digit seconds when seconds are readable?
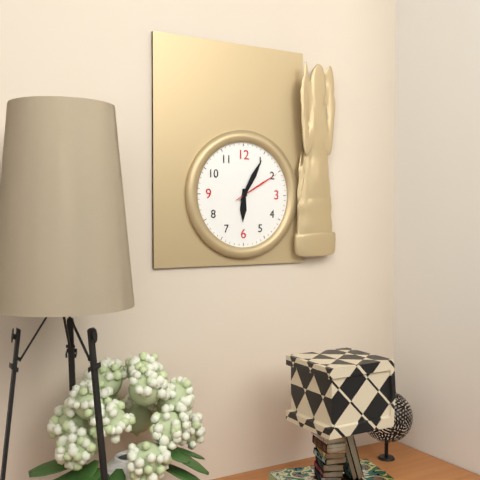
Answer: 6,05
